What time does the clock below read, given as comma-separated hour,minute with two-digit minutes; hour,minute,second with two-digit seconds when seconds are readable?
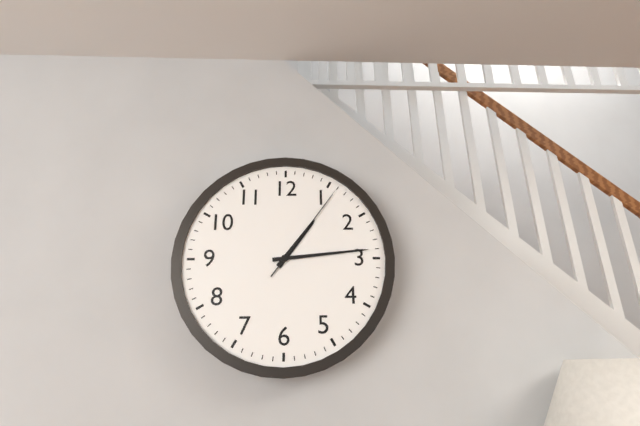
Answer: 1,14,06
